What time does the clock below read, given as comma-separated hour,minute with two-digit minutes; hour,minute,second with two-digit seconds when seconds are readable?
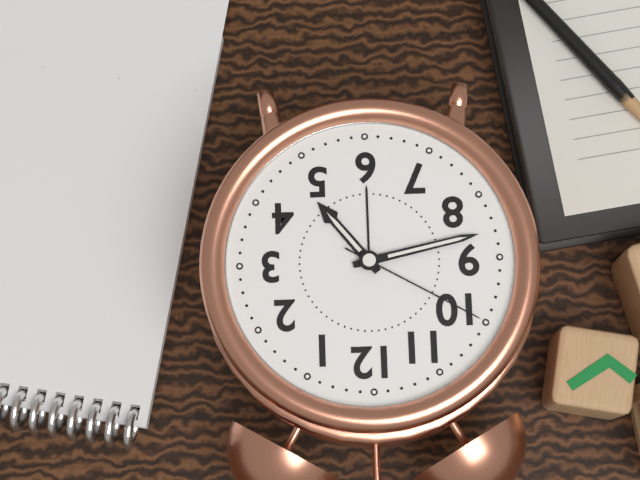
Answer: 4,43,50
